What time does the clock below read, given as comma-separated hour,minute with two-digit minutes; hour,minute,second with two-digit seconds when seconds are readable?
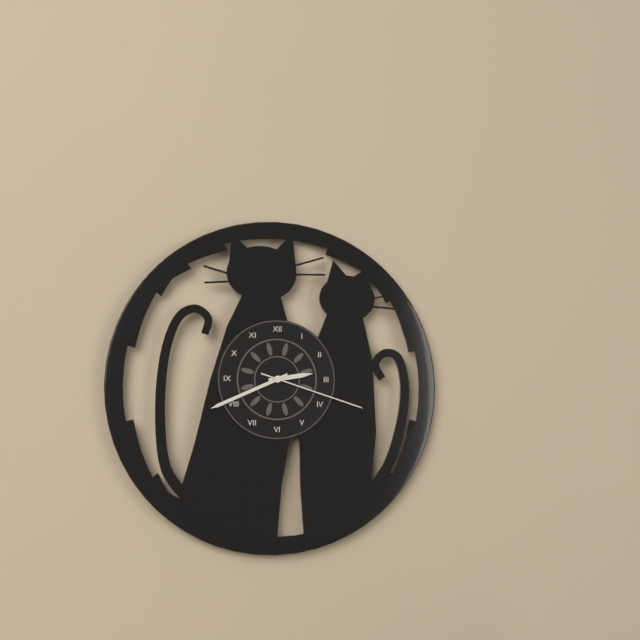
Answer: 2,41,18
